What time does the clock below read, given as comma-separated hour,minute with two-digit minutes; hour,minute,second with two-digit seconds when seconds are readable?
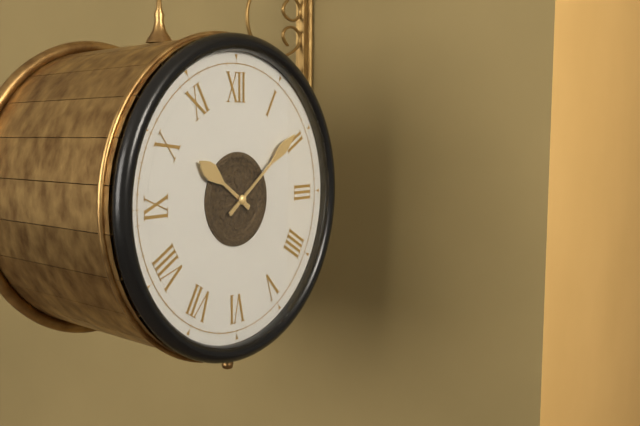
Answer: 10,09
